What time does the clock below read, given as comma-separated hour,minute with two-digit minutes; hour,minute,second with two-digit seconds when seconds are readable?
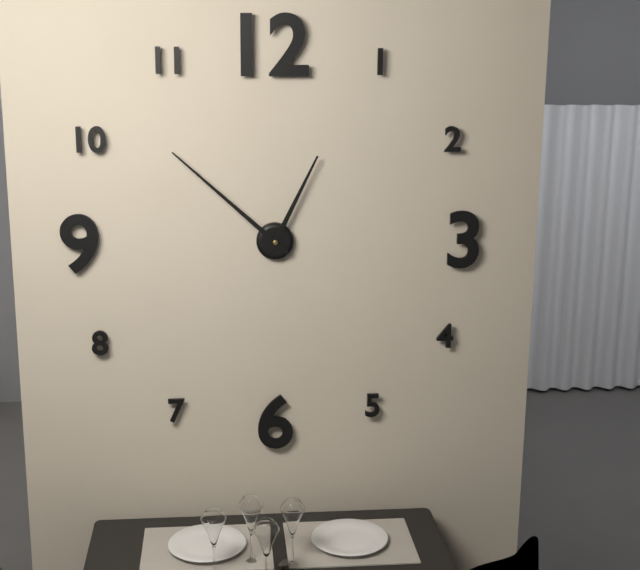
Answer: 12,52
